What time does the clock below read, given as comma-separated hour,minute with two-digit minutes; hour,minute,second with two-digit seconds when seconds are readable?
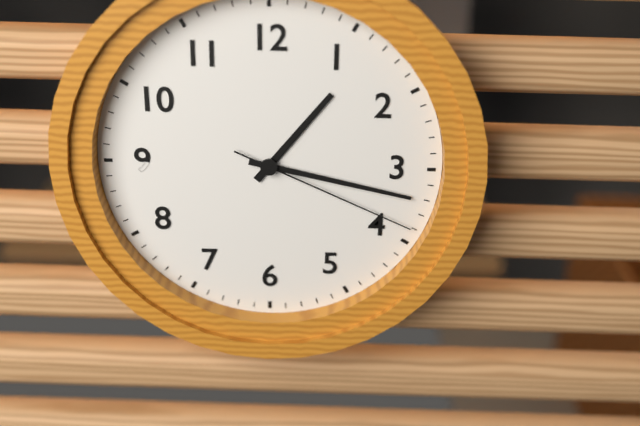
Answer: 1,17,19
